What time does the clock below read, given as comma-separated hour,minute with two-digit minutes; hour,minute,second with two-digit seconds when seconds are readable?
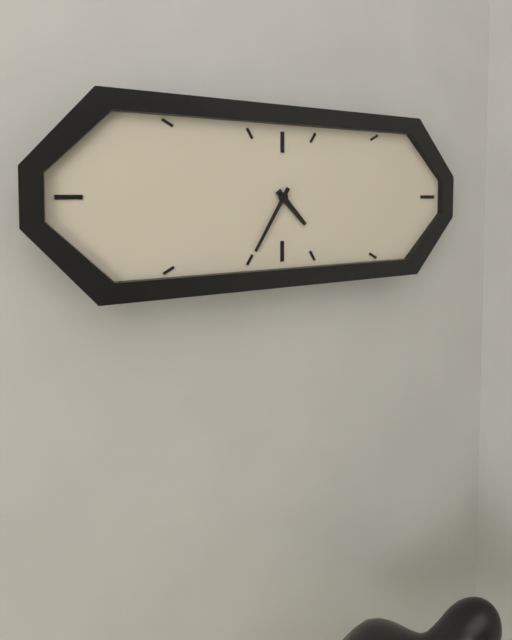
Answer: 4,35
